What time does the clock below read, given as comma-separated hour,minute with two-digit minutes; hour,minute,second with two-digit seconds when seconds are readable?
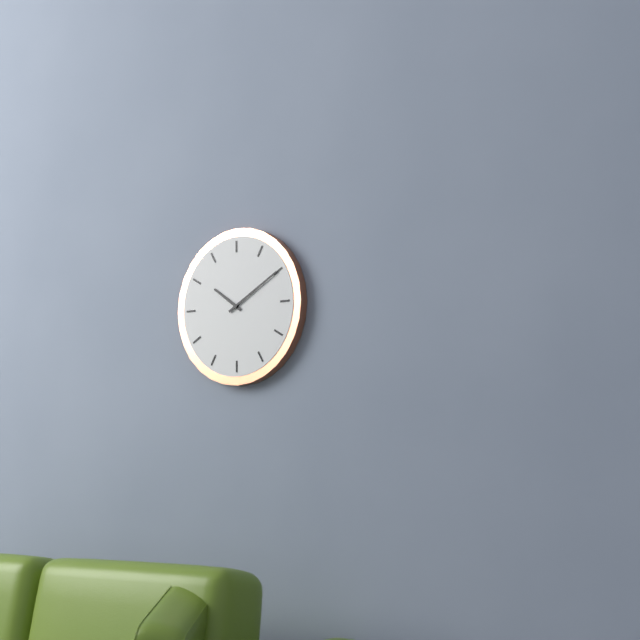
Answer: 10,10
